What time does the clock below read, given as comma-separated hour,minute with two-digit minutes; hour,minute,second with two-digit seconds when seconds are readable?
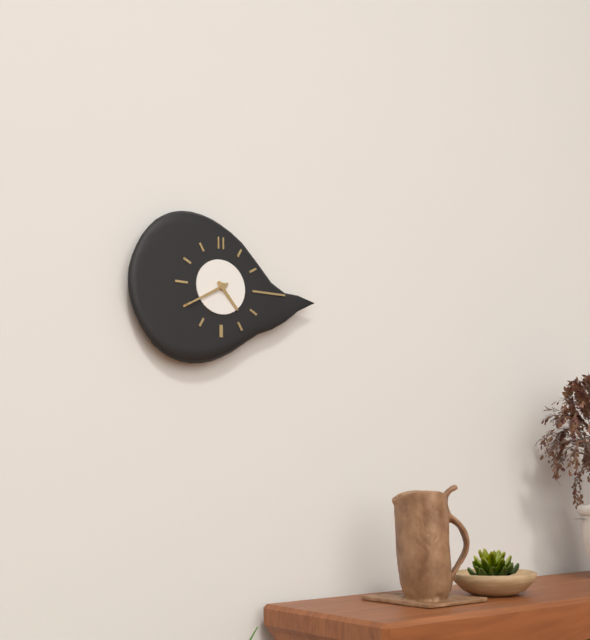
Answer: 4,40
